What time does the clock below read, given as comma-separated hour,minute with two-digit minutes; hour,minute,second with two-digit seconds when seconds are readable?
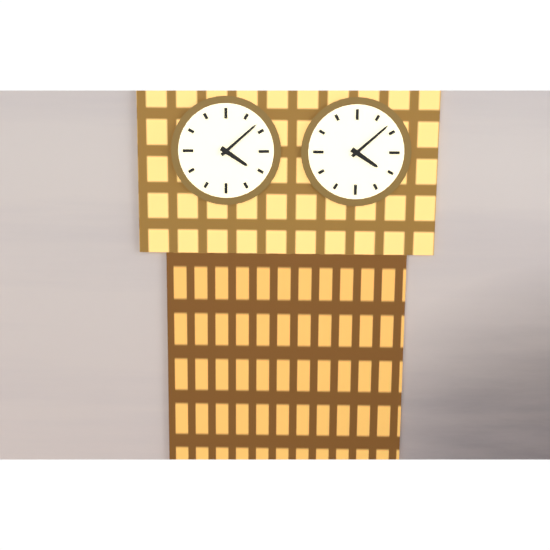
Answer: 4,08
